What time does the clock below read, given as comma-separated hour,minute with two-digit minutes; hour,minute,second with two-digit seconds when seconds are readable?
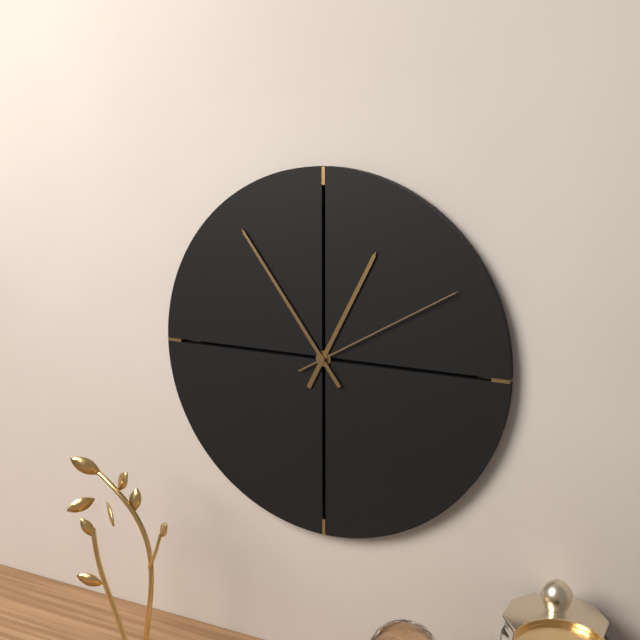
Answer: 12,54,10
